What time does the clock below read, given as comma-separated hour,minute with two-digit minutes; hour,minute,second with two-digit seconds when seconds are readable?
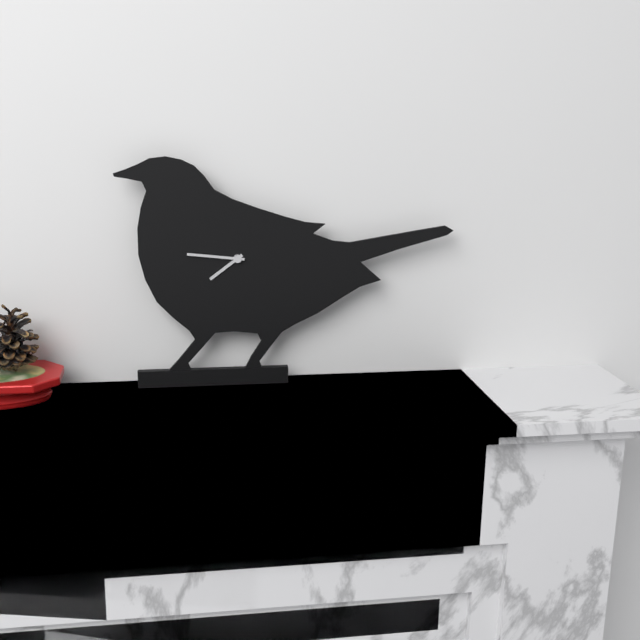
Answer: 7,46
